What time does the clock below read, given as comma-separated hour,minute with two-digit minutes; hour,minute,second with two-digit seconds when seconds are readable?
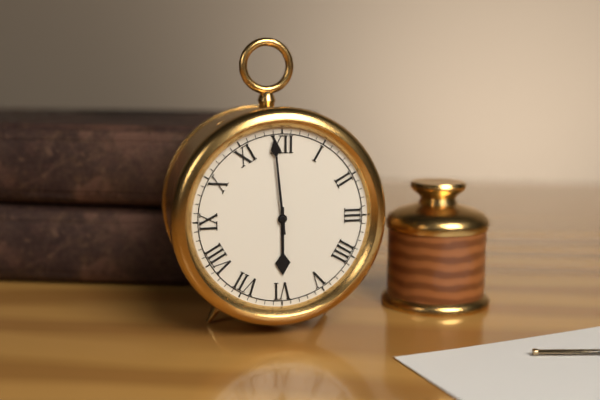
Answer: 5,59
